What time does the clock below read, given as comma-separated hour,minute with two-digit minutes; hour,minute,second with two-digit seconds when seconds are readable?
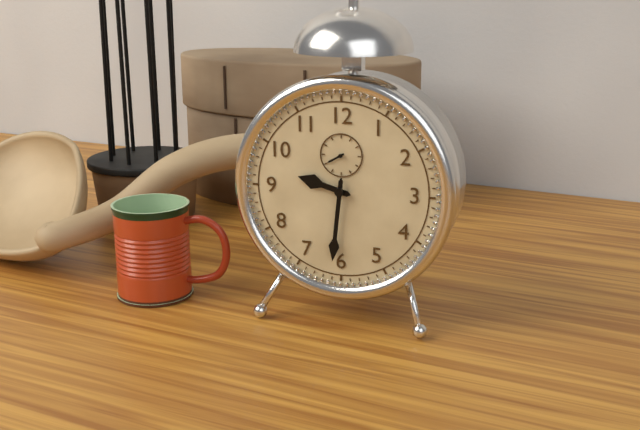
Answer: 9,31
